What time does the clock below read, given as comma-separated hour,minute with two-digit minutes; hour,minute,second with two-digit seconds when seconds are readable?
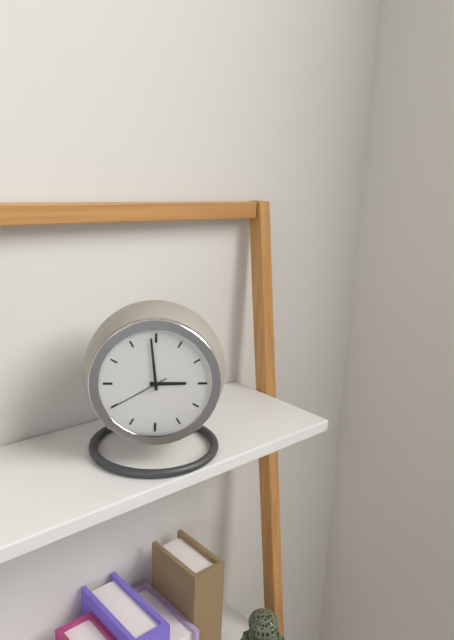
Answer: 2,59,40
